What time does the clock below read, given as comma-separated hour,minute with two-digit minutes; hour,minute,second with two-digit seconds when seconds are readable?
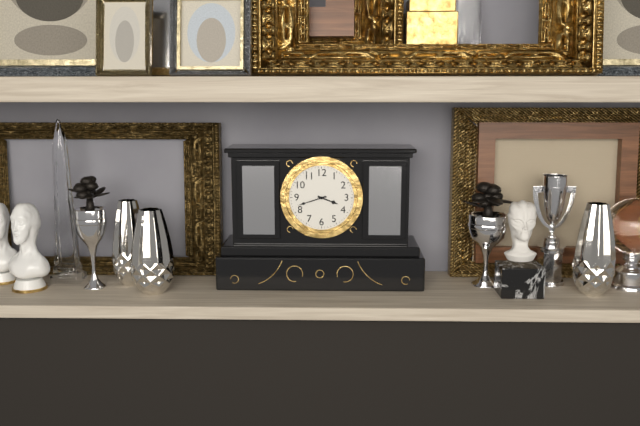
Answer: 3,42
